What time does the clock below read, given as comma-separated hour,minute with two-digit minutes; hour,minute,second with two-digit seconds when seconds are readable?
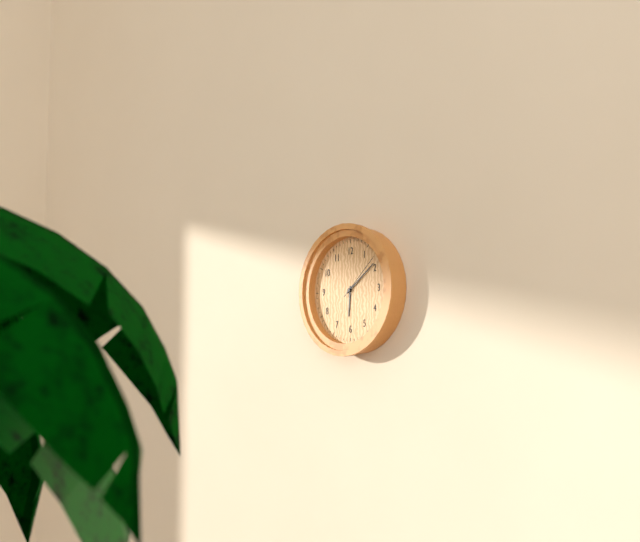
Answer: 6,09,08
